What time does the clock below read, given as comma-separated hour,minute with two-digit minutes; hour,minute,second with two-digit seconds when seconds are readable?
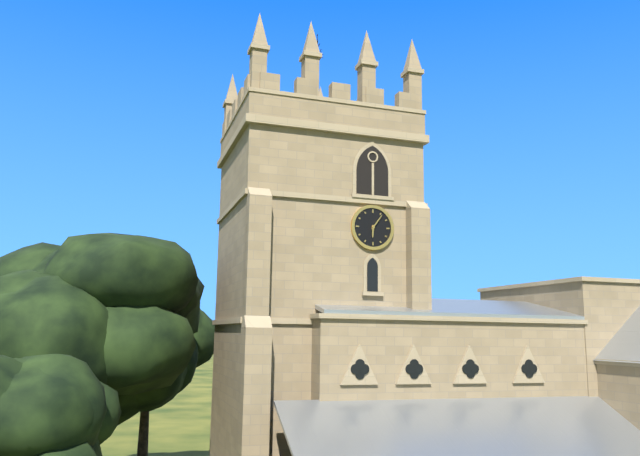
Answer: 6,06
